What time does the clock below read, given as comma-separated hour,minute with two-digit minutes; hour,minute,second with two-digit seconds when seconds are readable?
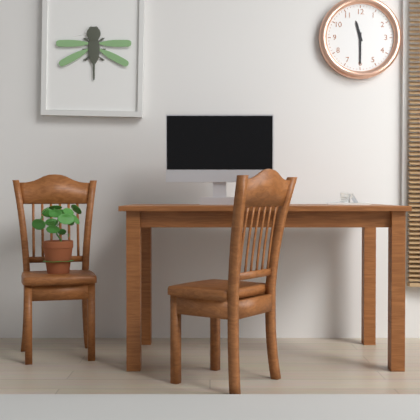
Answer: 11,30
